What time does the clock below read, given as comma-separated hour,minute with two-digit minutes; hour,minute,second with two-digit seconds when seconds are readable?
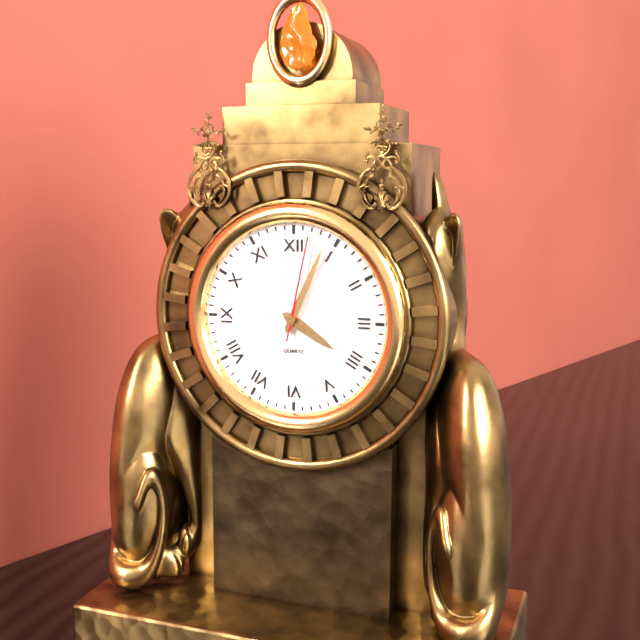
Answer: 4,04,02
